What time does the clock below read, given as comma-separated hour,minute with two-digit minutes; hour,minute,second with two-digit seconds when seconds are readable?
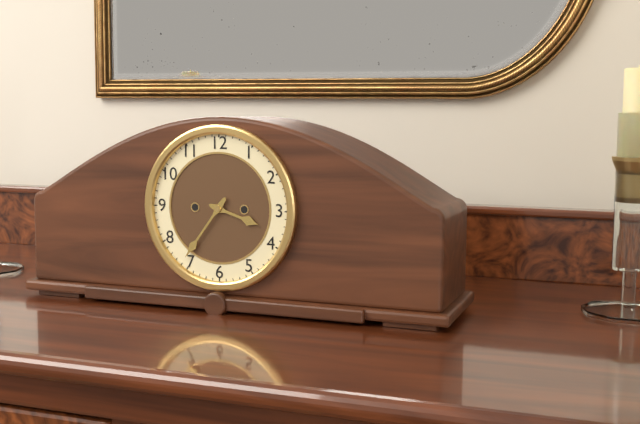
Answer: 3,36
